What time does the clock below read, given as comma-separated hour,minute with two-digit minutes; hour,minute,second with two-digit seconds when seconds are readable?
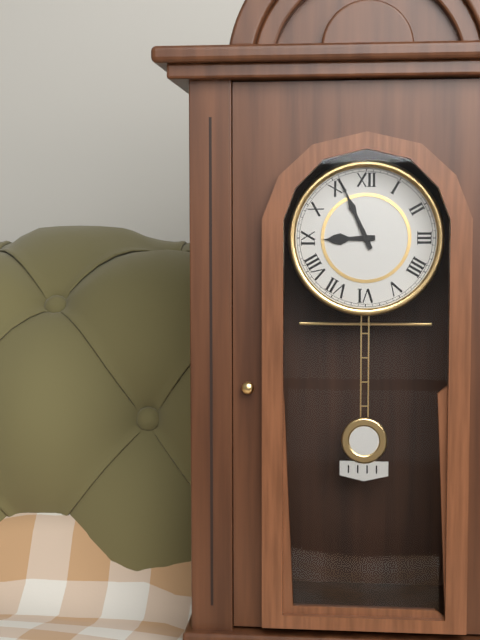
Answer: 8,56
